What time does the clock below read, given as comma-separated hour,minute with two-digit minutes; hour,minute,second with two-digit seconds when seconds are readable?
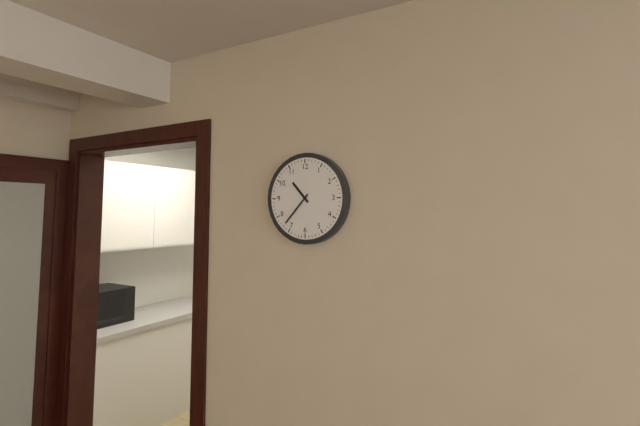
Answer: 10,37
